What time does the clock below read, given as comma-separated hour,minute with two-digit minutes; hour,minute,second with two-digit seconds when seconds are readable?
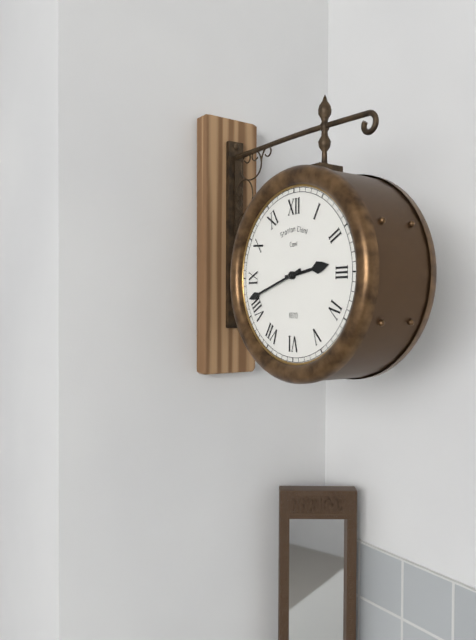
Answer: 2,42
